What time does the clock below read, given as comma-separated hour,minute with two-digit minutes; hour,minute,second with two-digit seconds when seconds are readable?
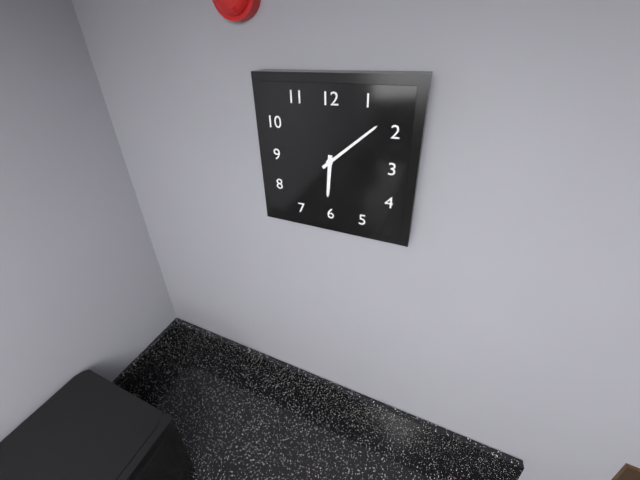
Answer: 6,08
